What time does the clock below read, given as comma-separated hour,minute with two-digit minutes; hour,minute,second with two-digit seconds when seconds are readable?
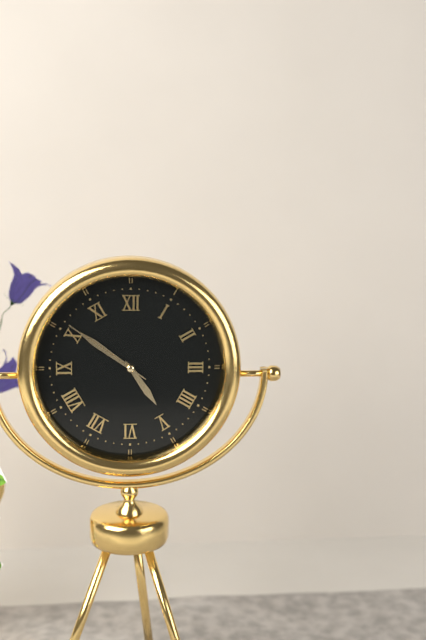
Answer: 4,51,51
